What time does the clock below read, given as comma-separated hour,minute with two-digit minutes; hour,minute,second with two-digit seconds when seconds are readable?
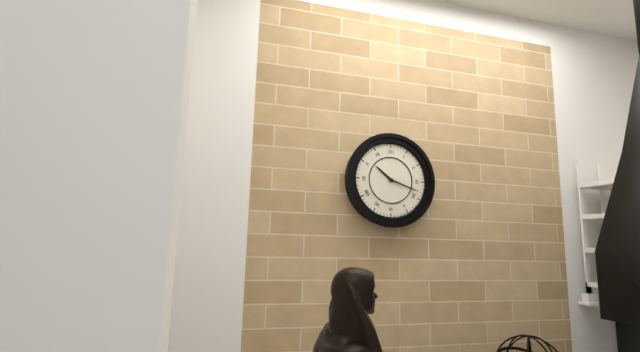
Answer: 10,18
